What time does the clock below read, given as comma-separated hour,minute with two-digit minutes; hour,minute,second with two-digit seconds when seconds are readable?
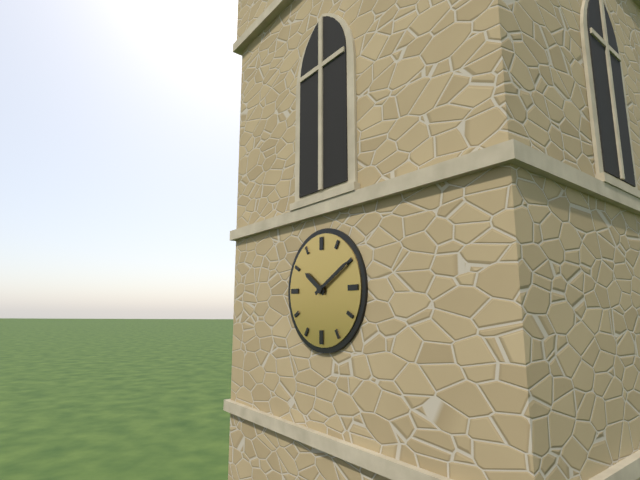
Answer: 10,10
